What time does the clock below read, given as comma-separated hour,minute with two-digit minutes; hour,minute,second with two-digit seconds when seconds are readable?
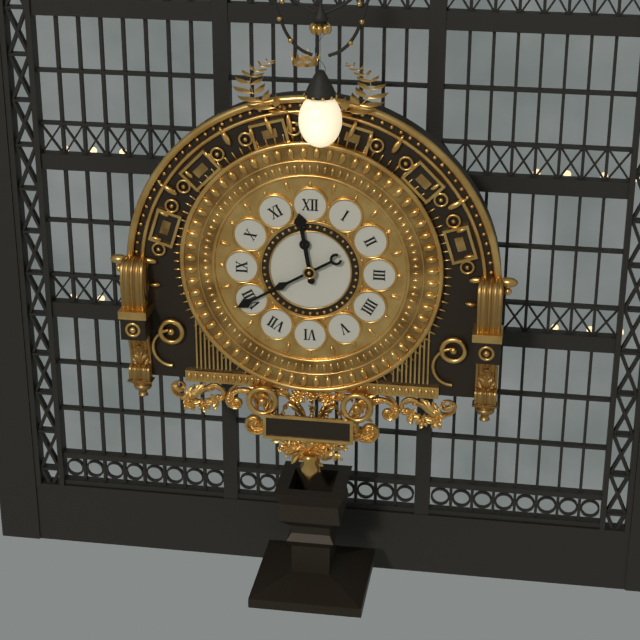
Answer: 11,40
